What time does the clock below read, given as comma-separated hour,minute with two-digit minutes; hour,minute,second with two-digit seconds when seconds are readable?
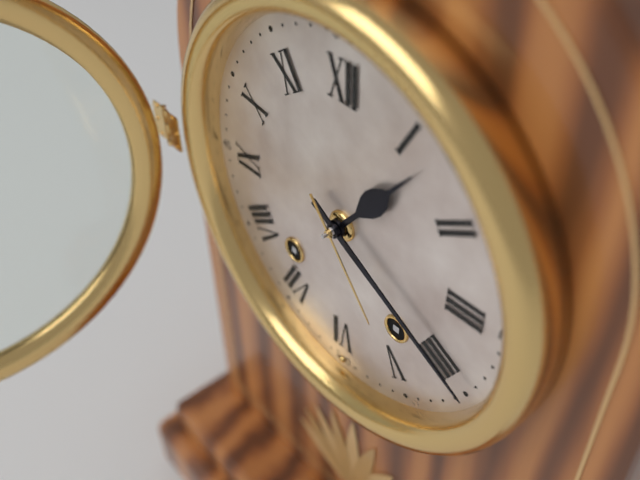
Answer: 1,20
